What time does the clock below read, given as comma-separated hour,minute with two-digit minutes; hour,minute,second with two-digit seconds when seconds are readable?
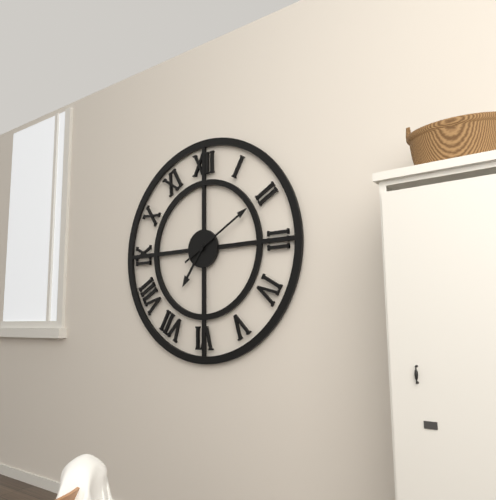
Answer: 7,10
